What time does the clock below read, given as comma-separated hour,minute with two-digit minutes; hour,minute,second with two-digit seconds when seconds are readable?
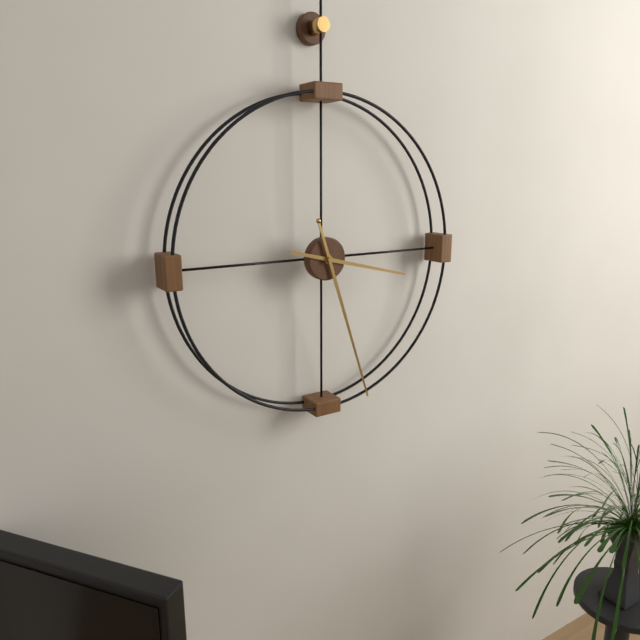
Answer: 3,27
